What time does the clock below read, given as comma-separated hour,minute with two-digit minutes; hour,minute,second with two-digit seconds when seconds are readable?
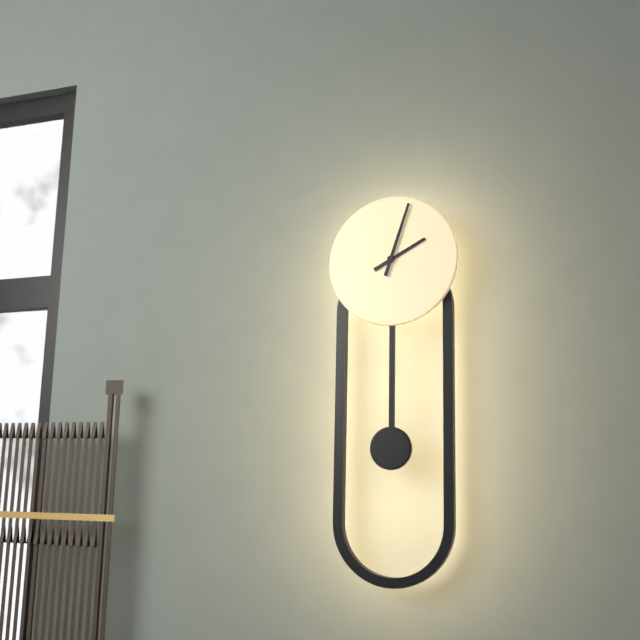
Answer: 2,03
